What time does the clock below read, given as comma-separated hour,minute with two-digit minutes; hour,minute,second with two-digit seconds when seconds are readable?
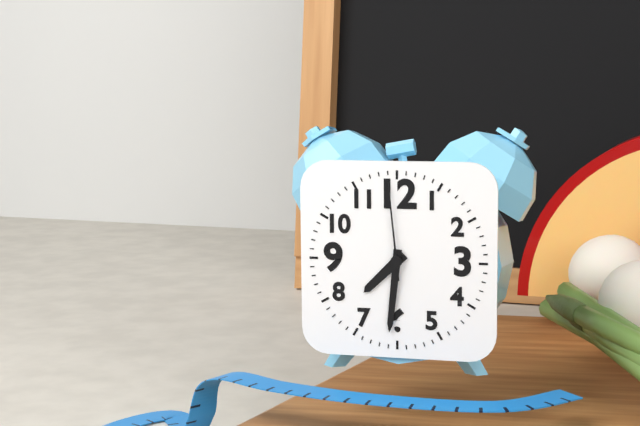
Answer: 7,31,59
